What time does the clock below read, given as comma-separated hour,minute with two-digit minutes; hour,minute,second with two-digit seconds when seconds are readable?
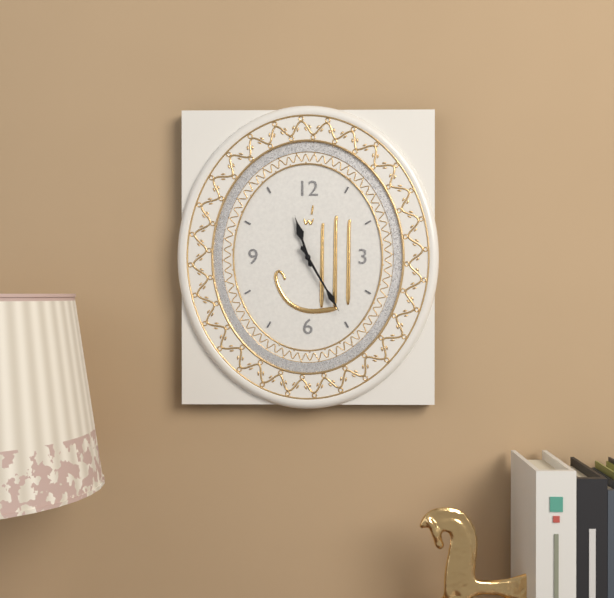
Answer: 11,25
